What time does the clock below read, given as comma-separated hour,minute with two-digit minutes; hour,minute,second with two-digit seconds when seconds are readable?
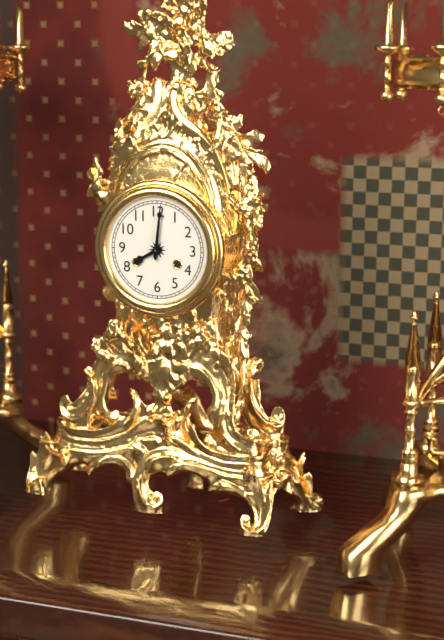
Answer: 8,01
